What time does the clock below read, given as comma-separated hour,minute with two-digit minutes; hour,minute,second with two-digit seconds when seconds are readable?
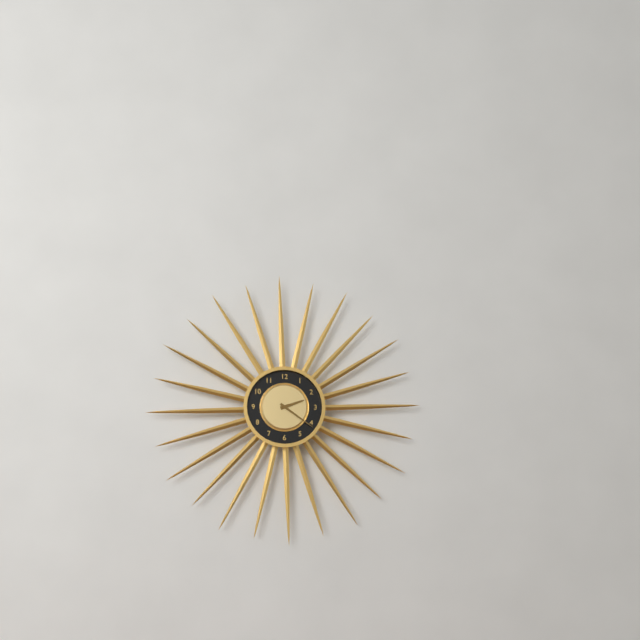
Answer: 2,21
